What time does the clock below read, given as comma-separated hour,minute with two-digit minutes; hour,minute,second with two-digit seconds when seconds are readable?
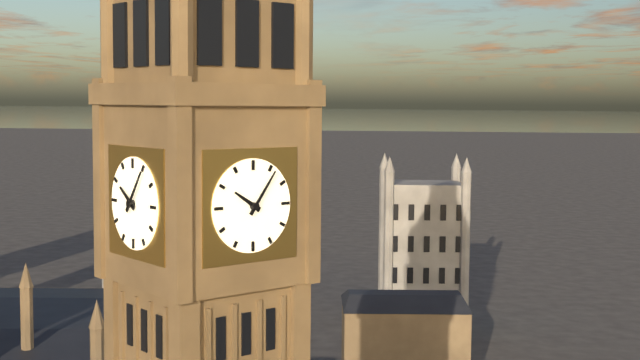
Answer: 10,06
